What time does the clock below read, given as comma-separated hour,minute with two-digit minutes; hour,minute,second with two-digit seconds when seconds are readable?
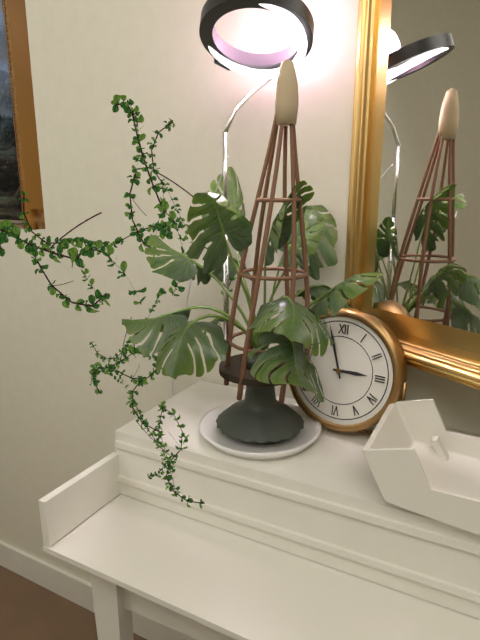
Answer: 2,57
